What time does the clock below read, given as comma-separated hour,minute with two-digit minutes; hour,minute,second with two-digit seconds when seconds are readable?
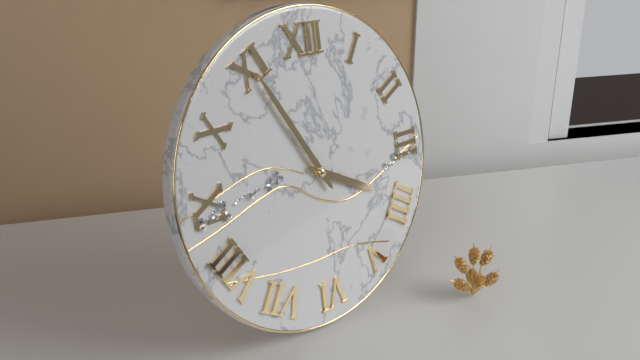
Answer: 3,55
